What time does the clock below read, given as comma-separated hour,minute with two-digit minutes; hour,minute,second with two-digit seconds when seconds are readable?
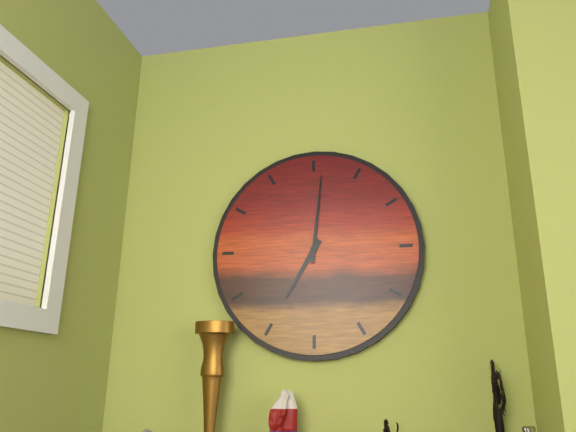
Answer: 7,01
